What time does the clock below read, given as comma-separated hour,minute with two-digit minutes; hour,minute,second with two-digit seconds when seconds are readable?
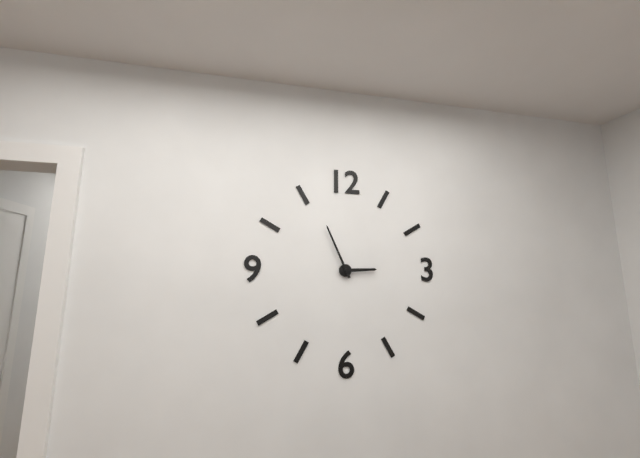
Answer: 2,56
